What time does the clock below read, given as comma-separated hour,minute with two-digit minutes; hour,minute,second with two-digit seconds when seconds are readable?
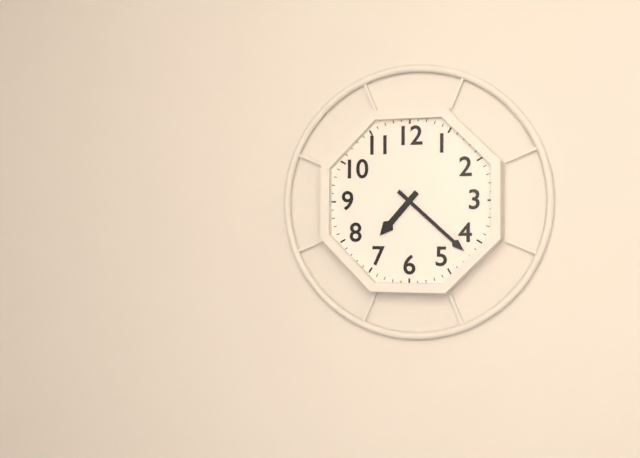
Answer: 7,22
